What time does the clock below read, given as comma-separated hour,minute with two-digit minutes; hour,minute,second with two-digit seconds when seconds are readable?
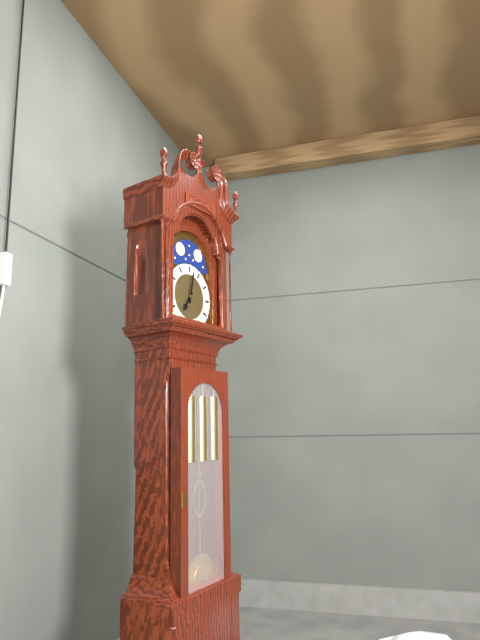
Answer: 7,02
